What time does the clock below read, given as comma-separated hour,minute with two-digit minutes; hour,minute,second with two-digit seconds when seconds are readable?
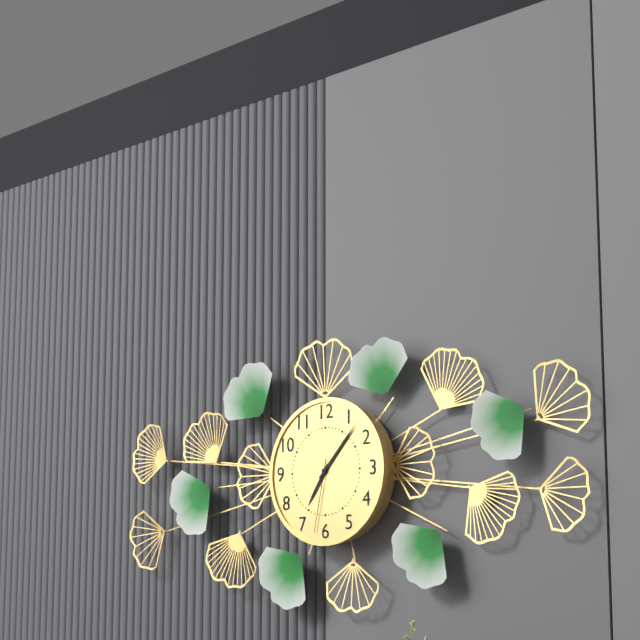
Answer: 7,07,32
